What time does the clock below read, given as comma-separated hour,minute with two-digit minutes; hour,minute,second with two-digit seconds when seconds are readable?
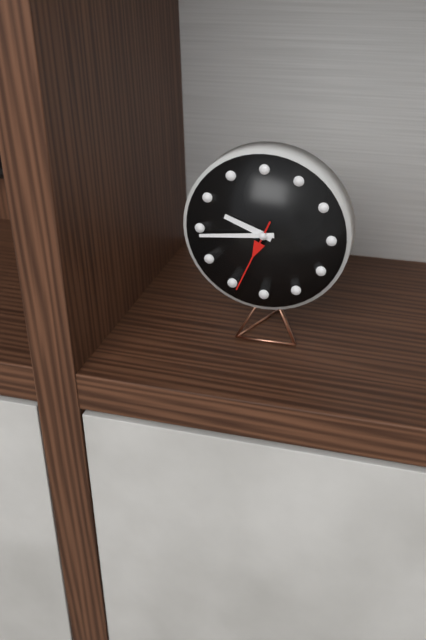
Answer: 9,44,34
